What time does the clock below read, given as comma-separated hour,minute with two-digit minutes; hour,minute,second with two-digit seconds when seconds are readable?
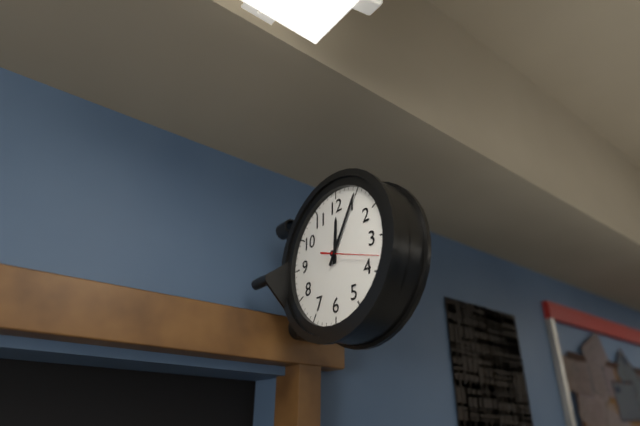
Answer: 12,05,18
